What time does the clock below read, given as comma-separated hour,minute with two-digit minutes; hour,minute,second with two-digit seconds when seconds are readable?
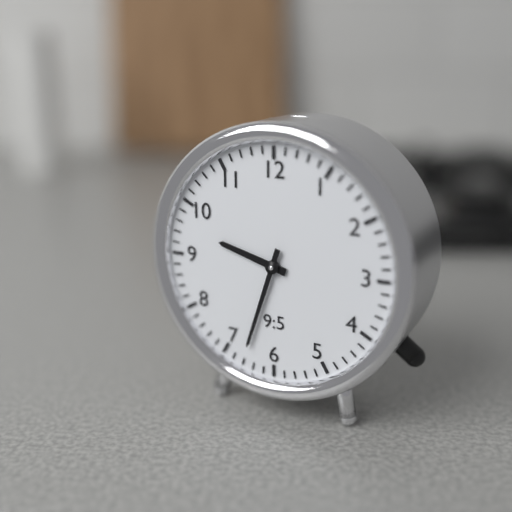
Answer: 9,33
